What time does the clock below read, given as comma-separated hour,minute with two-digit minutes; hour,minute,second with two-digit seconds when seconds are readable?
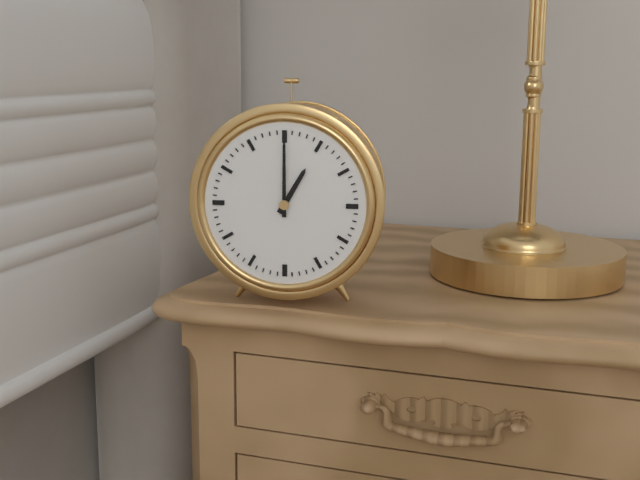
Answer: 1,00
